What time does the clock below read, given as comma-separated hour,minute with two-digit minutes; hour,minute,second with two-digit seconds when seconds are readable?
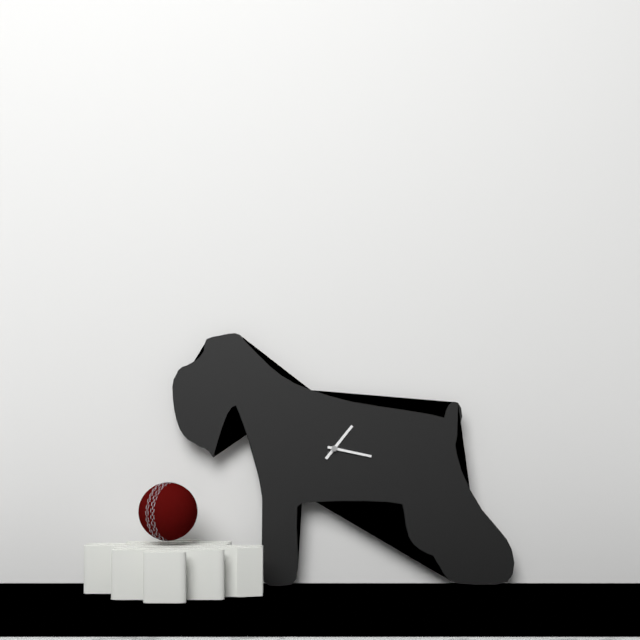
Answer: 1,17
